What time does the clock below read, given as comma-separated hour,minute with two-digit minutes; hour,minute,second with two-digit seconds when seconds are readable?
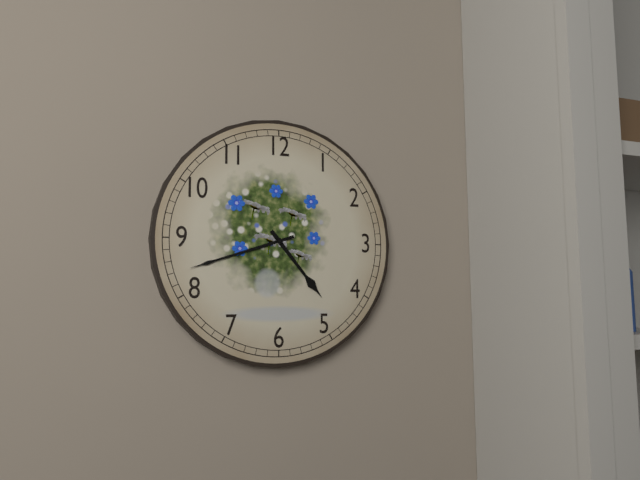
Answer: 4,42
